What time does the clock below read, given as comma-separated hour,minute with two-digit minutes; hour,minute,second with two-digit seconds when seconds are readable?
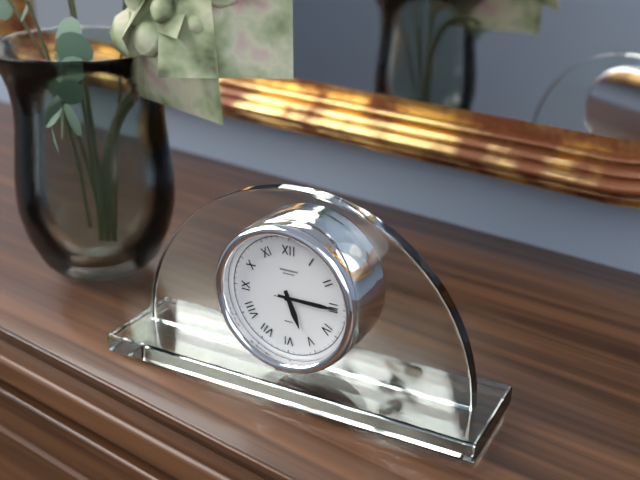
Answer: 5,15,15
